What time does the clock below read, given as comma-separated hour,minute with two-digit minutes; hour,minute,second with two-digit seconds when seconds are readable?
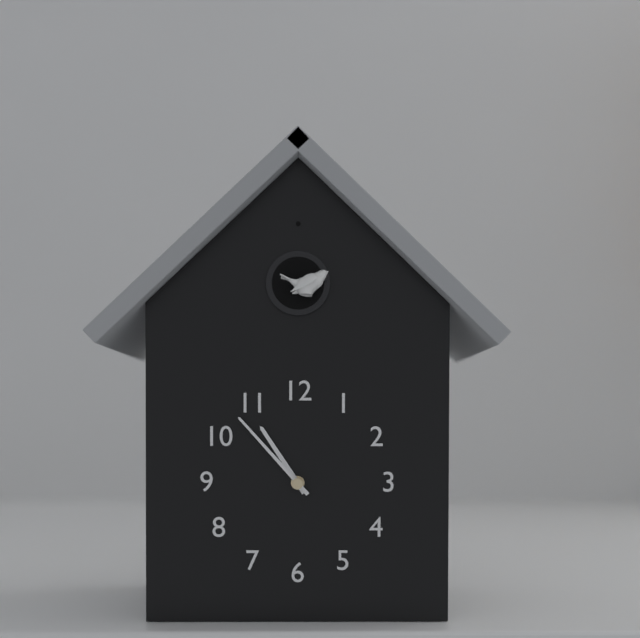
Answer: 10,53
